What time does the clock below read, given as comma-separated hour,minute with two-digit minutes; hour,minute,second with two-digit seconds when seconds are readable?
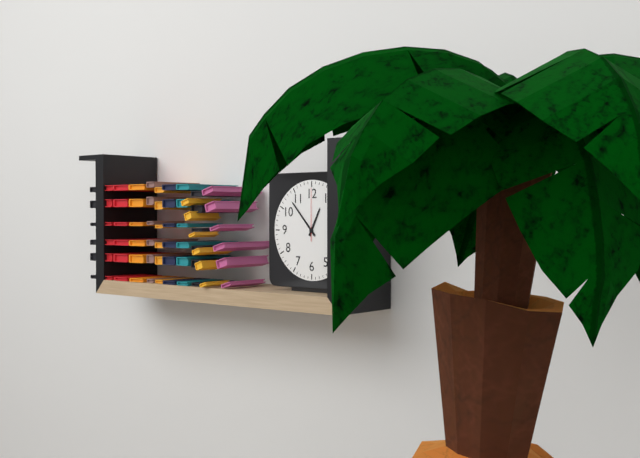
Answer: 12,53,00
